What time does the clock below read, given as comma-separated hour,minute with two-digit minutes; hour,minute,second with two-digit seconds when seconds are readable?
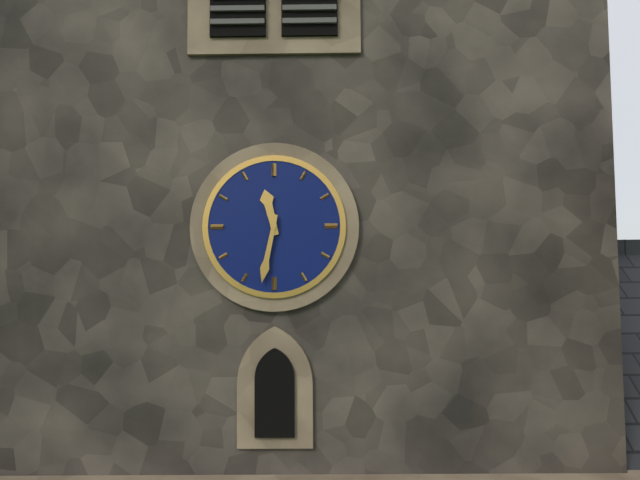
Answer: 11,32
